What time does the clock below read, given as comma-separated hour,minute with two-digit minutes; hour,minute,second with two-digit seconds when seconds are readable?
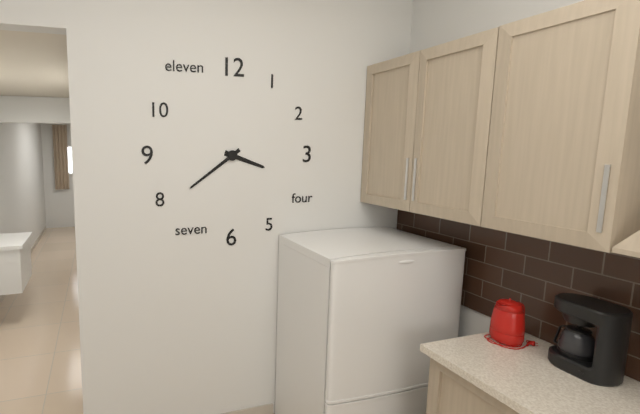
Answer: 3,39
